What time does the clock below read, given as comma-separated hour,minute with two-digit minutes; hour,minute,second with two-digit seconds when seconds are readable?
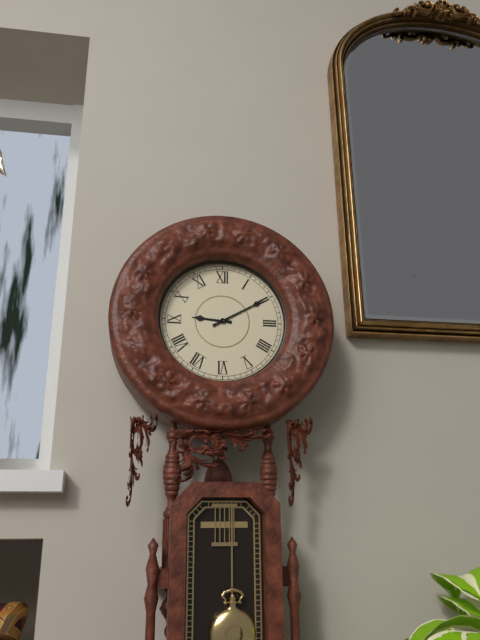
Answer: 9,10
